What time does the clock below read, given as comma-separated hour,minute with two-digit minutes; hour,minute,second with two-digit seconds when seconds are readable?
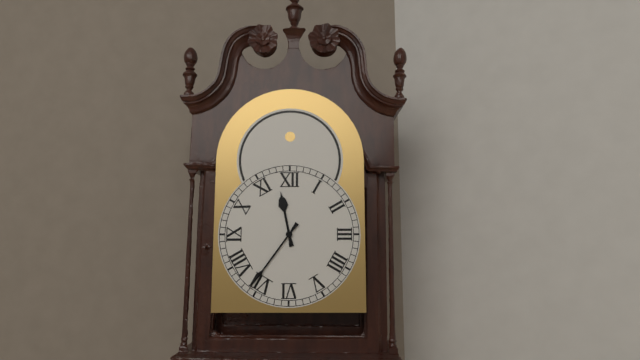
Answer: 11,36
